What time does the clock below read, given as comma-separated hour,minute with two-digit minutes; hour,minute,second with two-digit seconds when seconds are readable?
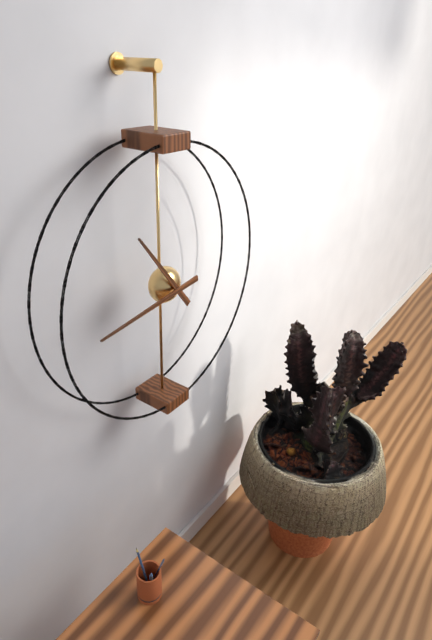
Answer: 10,44
